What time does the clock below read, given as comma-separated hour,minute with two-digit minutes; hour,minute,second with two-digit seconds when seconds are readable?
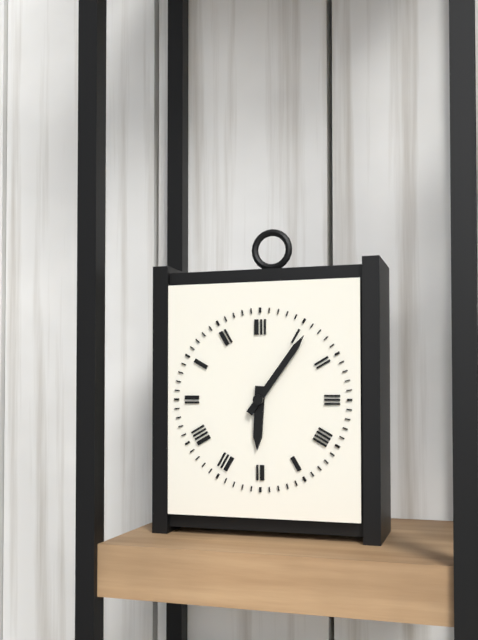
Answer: 6,06
